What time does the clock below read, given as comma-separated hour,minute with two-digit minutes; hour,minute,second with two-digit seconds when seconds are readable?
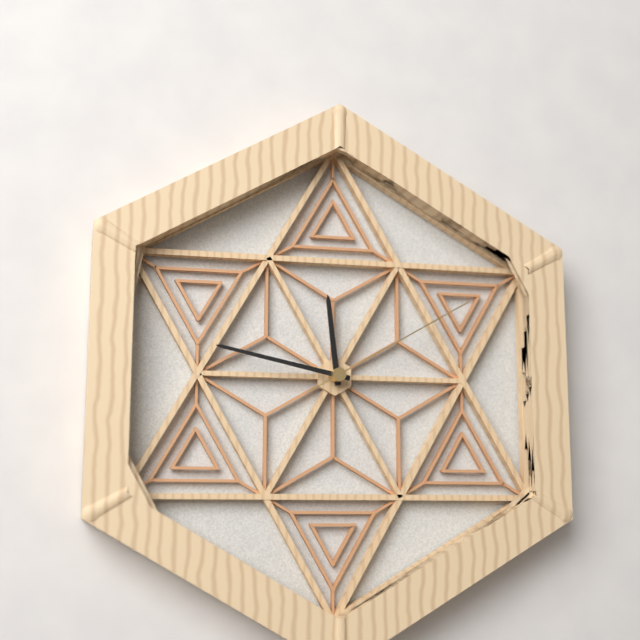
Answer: 11,47,10
